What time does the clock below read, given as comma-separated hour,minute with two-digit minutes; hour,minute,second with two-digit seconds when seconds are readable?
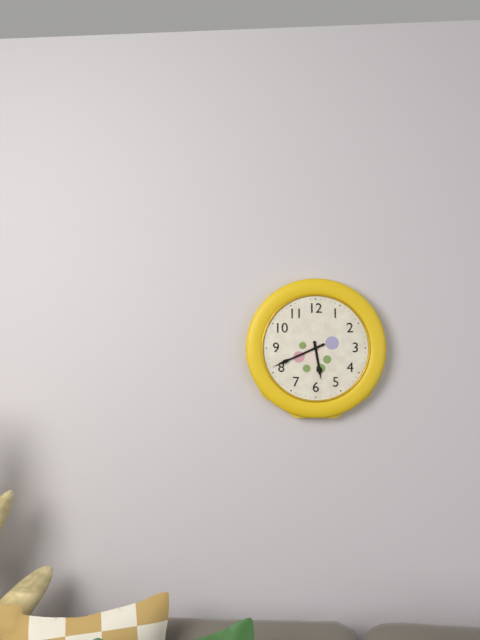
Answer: 5,41
